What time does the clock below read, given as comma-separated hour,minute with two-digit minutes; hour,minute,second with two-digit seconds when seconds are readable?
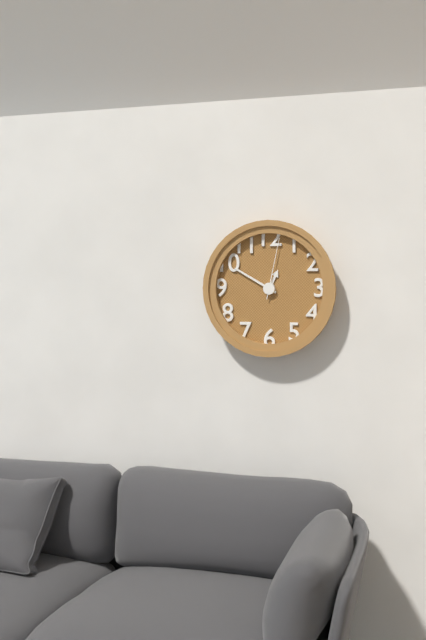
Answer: 12,50,02
